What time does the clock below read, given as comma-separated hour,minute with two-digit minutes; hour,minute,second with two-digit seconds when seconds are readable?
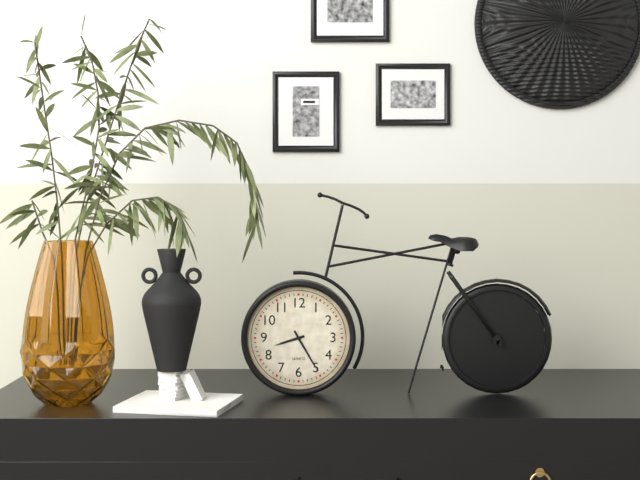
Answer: 8,25
